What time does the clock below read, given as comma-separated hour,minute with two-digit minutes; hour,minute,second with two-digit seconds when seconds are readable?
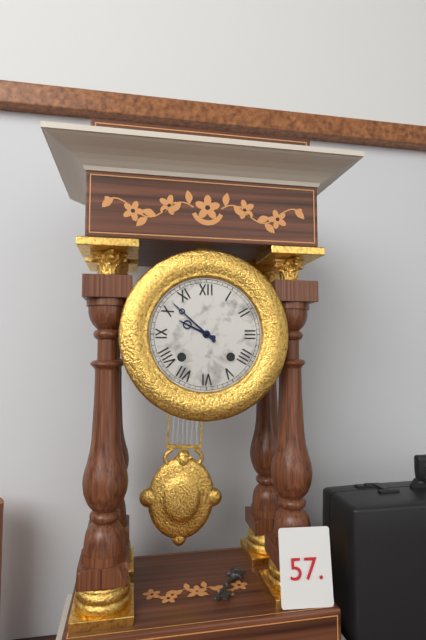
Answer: 9,52
